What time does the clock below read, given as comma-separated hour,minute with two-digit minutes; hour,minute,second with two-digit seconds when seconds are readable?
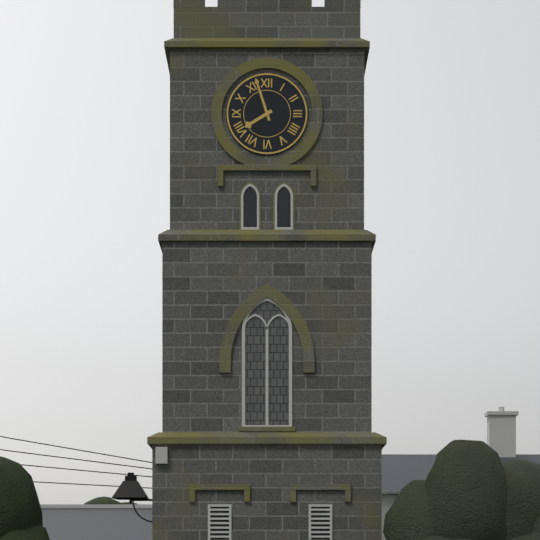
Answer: 7,57
